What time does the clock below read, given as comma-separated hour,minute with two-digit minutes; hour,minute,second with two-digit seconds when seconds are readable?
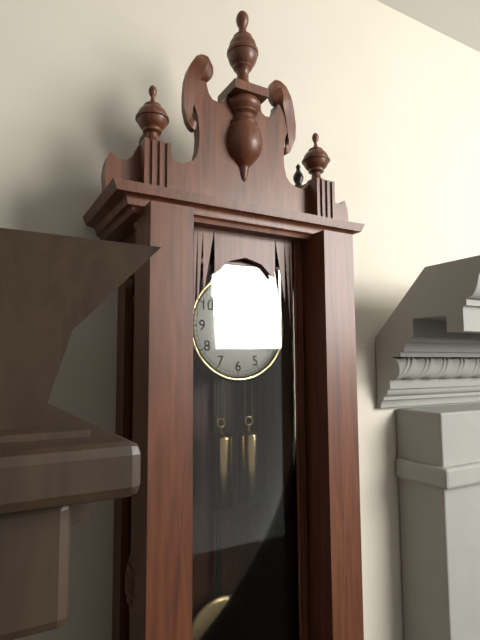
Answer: 2,52
